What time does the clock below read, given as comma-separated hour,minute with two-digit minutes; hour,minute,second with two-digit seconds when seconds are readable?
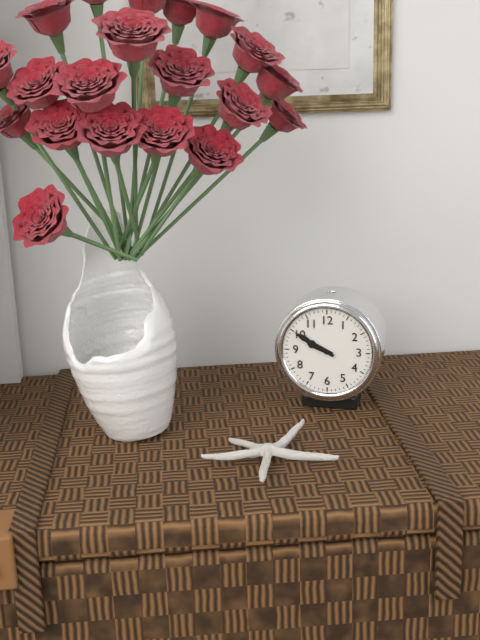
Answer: 9,50
